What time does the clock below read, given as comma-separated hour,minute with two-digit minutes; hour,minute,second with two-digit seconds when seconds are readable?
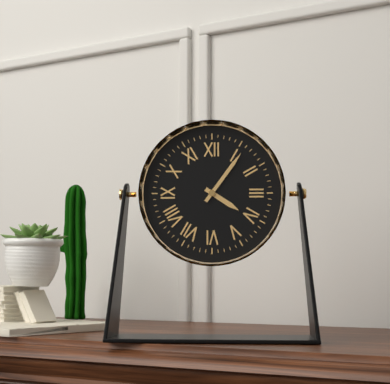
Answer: 4,06
